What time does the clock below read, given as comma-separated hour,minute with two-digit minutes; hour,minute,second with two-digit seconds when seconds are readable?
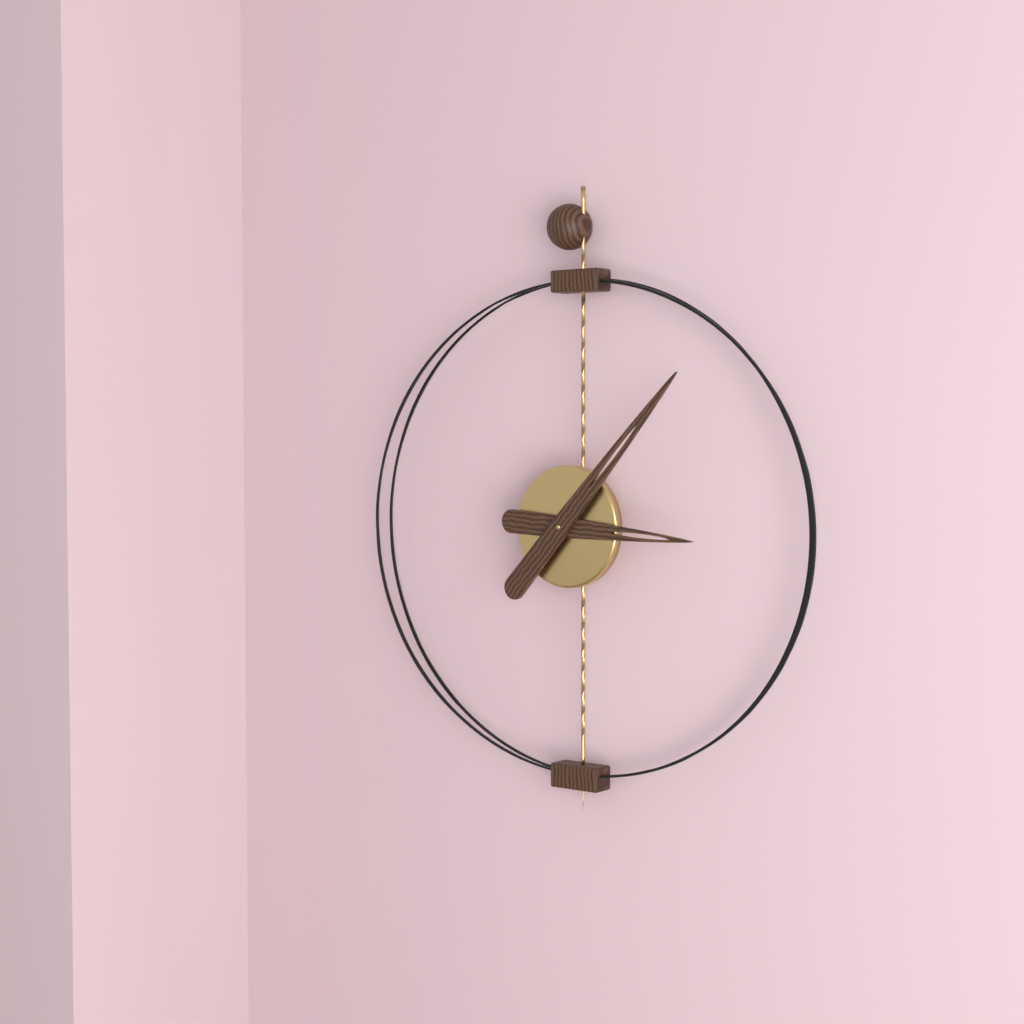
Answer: 3,07
